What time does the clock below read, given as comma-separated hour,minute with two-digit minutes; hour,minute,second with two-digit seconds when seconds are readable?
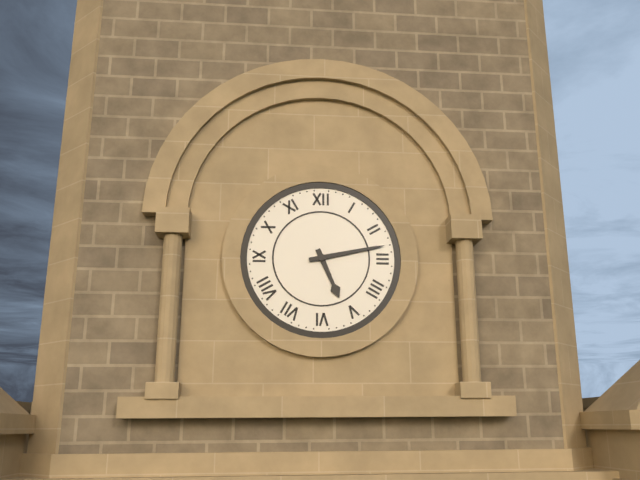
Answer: 5,13
